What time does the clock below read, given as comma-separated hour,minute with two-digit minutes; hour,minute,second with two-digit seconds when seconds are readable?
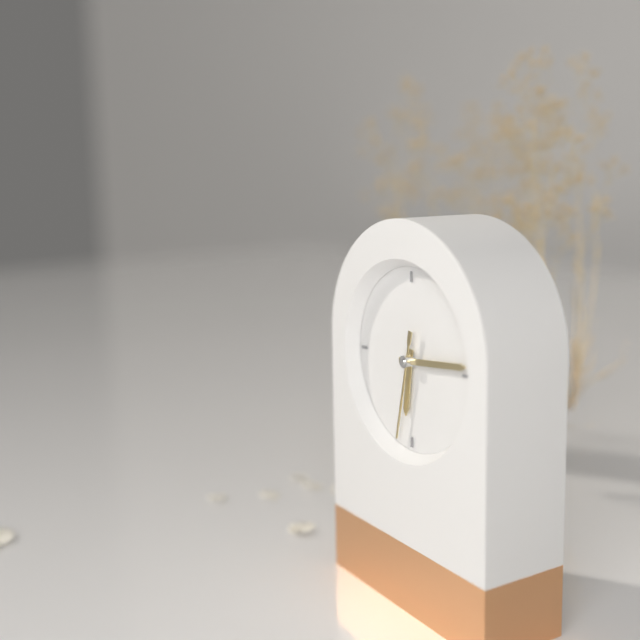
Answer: 6,14,32
